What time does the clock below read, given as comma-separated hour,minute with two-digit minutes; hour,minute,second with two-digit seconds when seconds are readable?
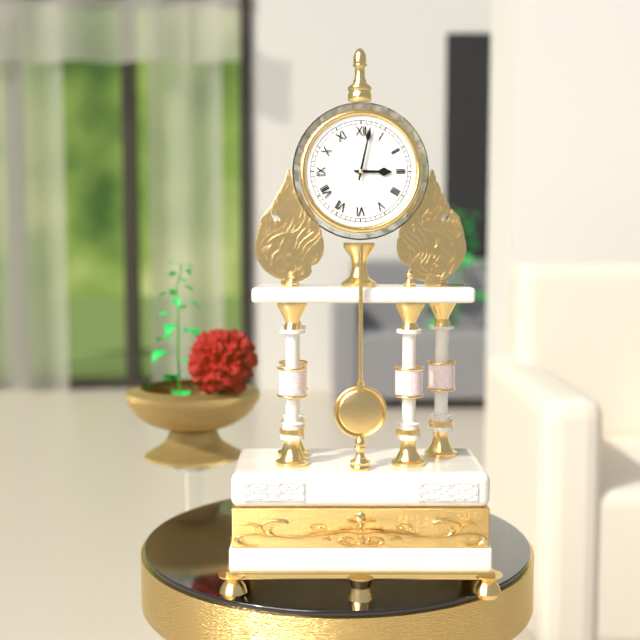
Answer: 3,02
